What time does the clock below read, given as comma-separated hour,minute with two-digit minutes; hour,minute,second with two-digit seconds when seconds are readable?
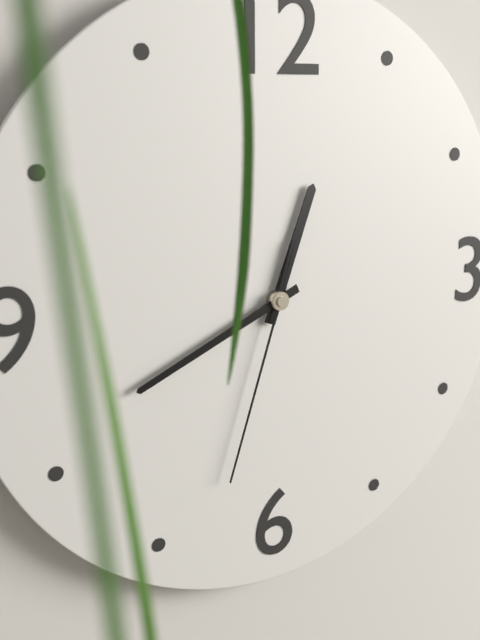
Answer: 12,41,33
